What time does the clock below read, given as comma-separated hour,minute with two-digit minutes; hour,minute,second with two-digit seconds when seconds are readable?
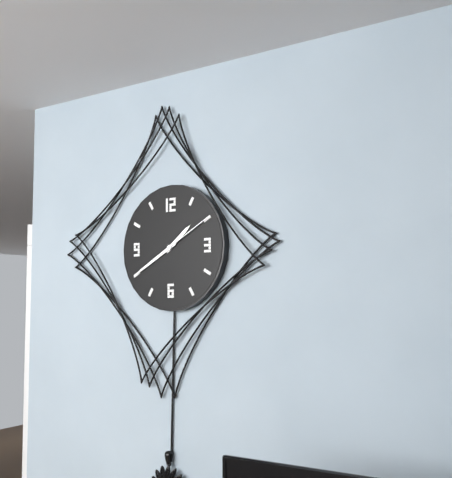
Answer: 1,40,10
